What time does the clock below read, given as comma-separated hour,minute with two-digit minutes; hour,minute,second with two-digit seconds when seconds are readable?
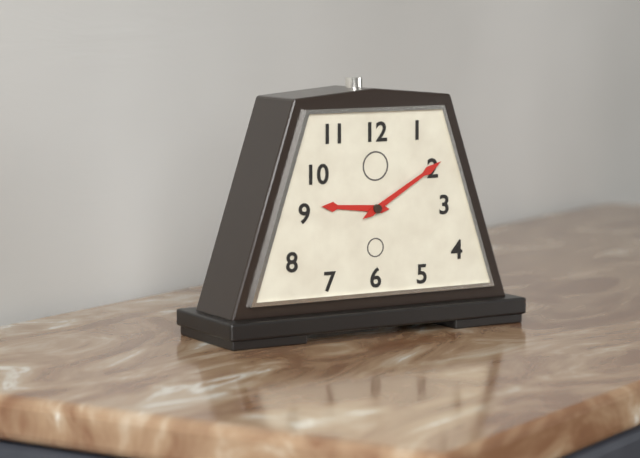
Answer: 9,10
